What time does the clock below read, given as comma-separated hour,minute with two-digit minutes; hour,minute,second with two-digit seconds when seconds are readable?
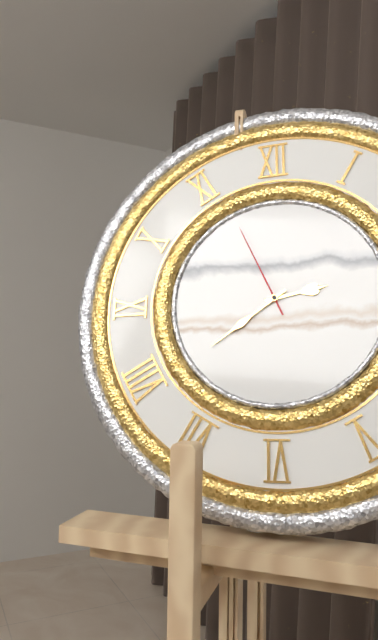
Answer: 2,39,56
